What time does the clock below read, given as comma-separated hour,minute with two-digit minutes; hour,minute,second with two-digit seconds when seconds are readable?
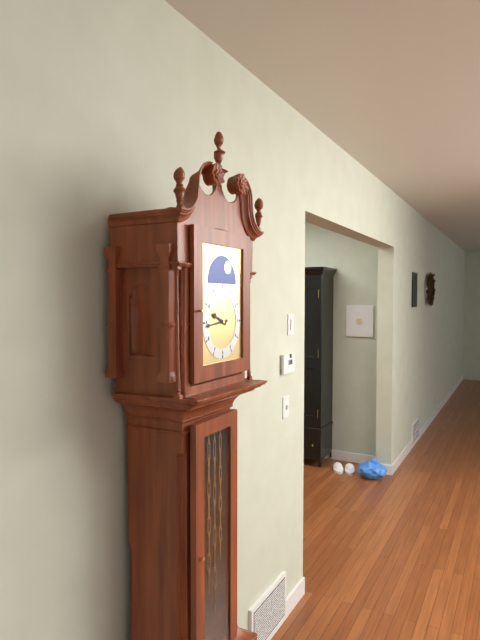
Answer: 9,44
